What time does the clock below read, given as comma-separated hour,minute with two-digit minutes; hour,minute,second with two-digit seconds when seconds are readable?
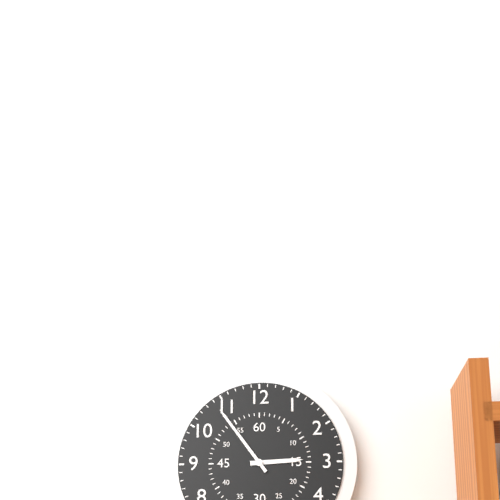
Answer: 2,54
